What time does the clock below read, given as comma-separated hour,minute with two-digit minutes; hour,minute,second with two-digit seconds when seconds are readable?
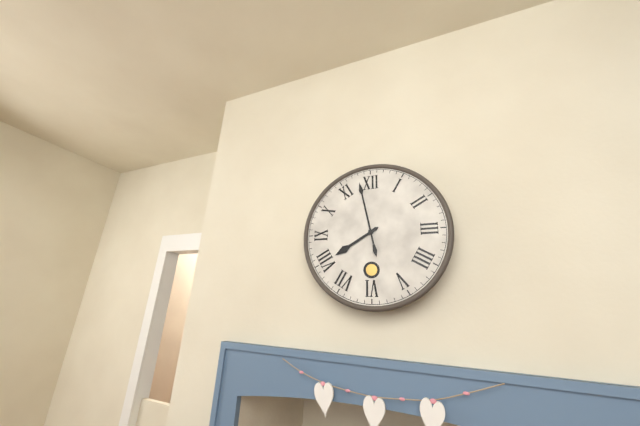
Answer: 7,58
